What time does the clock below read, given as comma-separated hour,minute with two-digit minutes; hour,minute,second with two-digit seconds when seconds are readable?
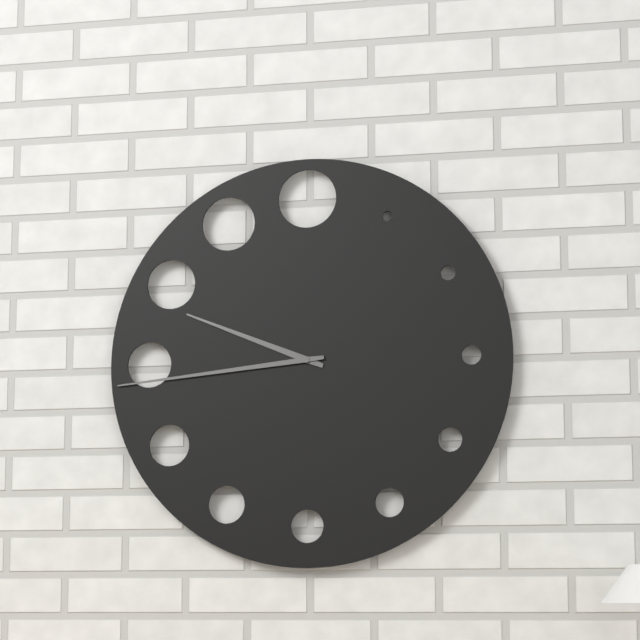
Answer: 9,44
